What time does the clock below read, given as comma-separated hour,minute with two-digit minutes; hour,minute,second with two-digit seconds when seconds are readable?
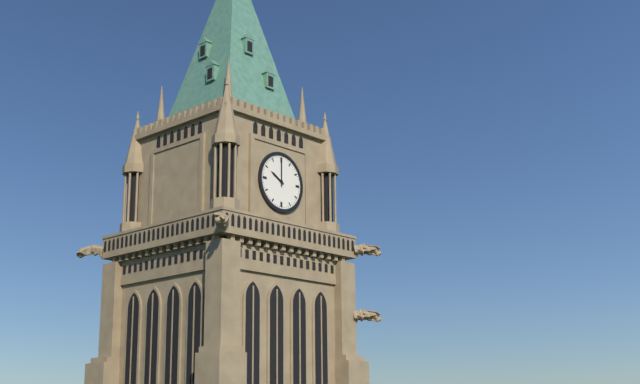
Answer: 10,00
